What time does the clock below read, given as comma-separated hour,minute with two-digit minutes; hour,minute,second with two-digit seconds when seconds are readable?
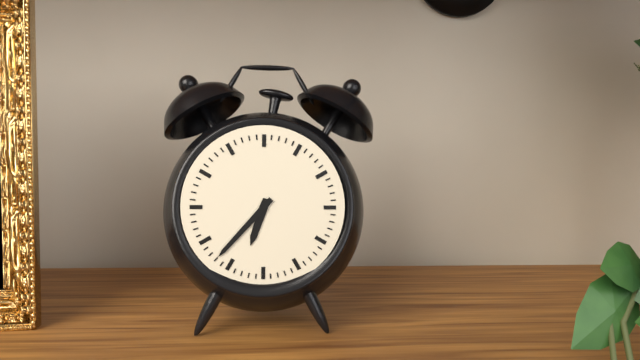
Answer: 6,37
